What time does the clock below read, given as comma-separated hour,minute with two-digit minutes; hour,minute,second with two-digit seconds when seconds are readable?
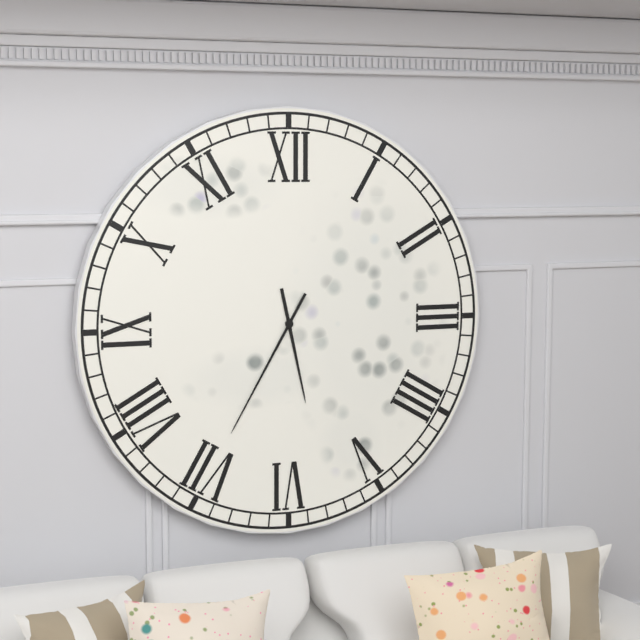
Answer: 5,35
